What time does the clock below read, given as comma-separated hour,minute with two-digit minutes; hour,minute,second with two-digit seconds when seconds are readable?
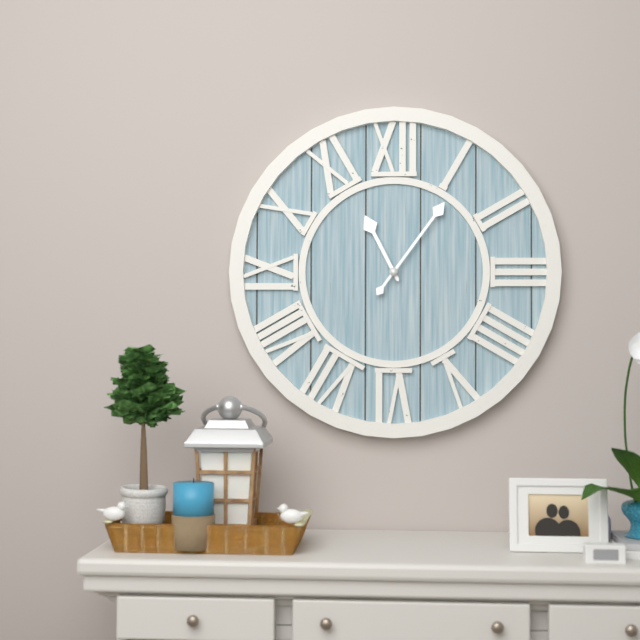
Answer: 11,06
